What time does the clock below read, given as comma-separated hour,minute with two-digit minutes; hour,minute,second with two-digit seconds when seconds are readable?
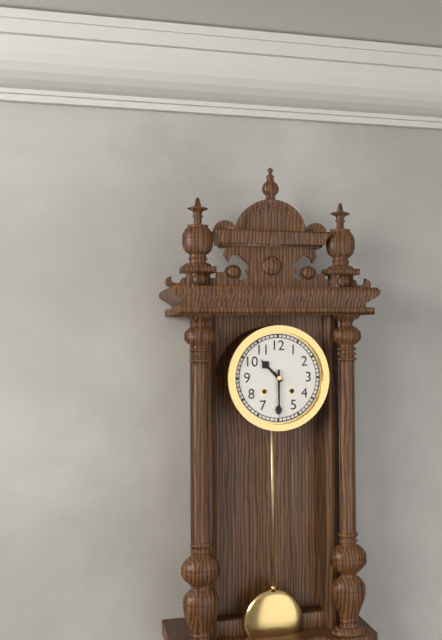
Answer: 10,30
